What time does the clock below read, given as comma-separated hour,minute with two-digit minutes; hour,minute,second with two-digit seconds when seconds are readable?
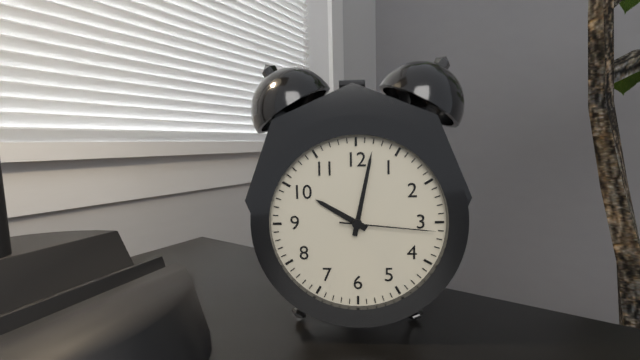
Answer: 10,02,16
